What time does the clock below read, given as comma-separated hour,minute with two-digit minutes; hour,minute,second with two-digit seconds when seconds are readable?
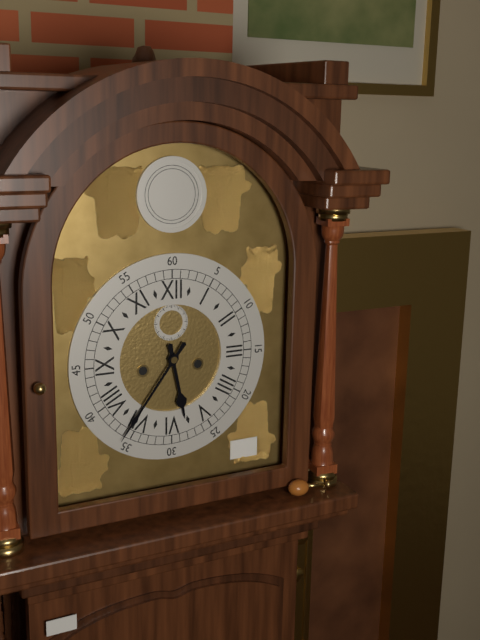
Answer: 5,36
